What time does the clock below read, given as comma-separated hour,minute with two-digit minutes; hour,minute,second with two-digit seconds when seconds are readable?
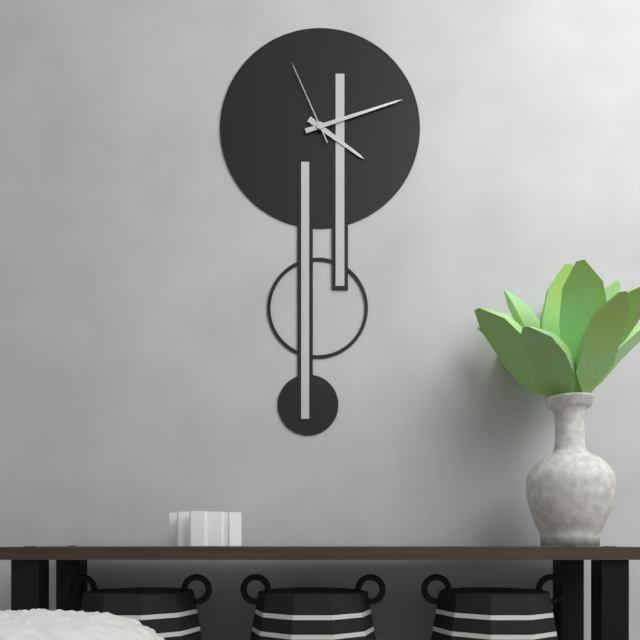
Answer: 4,12,56
